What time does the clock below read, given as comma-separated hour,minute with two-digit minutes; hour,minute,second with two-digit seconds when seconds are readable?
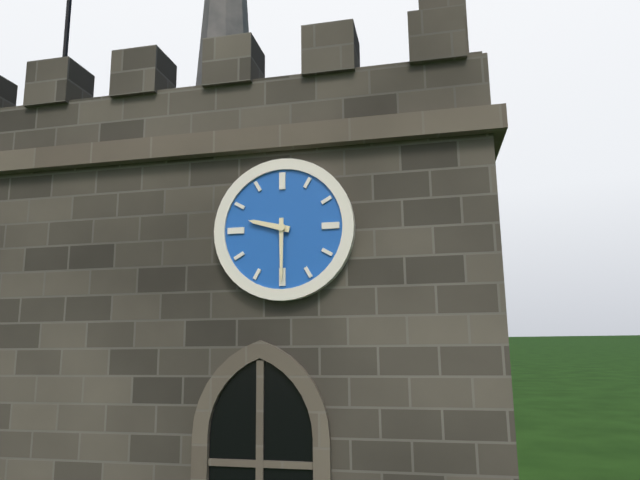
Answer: 9,30
